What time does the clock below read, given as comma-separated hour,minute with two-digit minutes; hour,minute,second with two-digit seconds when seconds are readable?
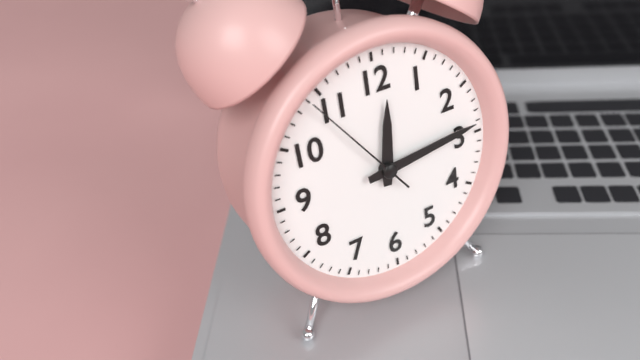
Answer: 12,14,54
